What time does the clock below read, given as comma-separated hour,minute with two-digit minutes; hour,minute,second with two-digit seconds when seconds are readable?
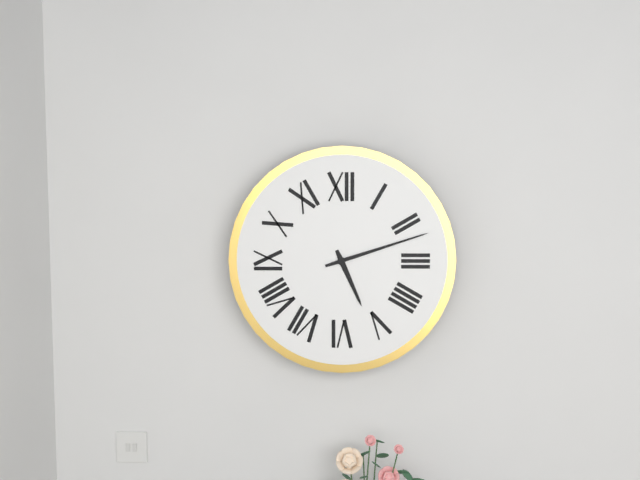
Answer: 5,12
